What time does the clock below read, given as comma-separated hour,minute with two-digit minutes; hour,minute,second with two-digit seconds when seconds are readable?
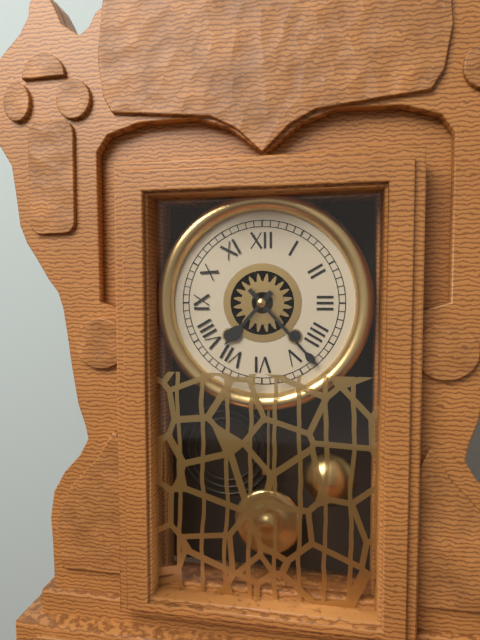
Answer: 7,23
